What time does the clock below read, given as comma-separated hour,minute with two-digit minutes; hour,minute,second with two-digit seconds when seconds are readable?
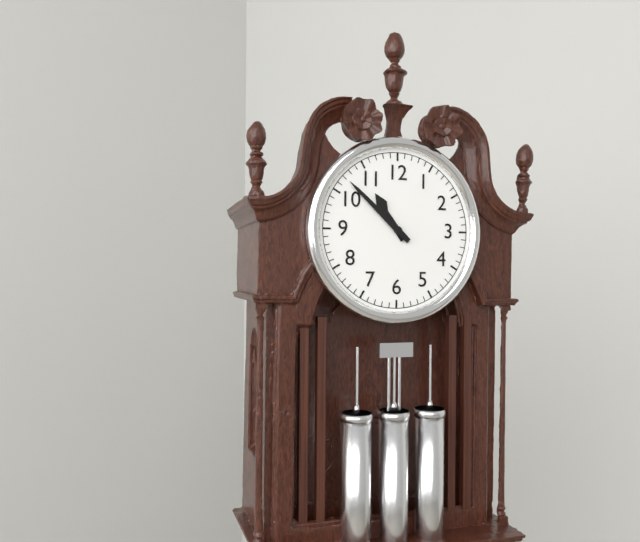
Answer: 10,52
